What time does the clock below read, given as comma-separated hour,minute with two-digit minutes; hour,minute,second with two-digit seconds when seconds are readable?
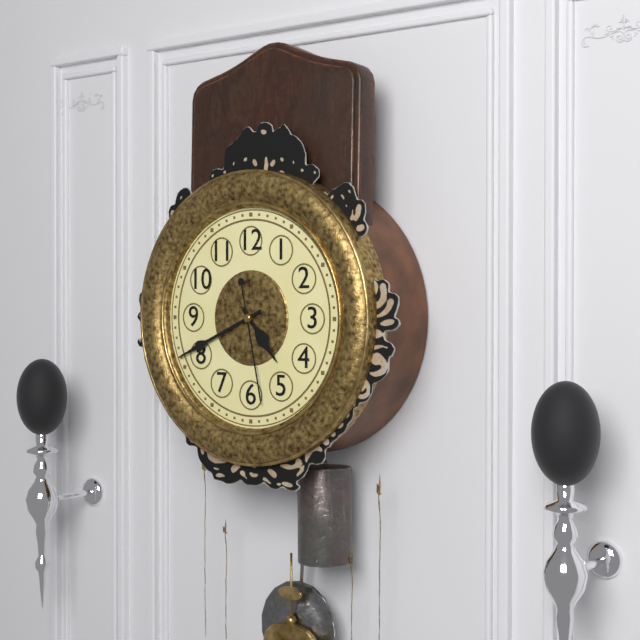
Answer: 4,41,28
